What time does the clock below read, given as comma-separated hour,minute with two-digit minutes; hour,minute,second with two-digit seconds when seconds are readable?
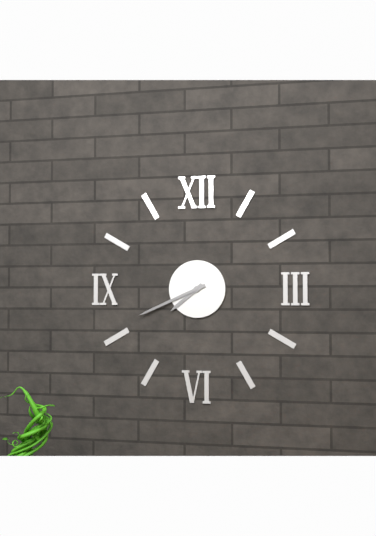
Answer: 7,41
